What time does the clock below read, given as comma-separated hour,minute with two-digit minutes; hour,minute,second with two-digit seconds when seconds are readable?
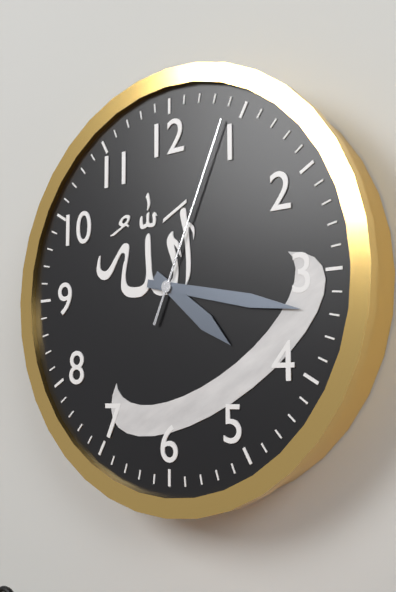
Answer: 4,17,04
